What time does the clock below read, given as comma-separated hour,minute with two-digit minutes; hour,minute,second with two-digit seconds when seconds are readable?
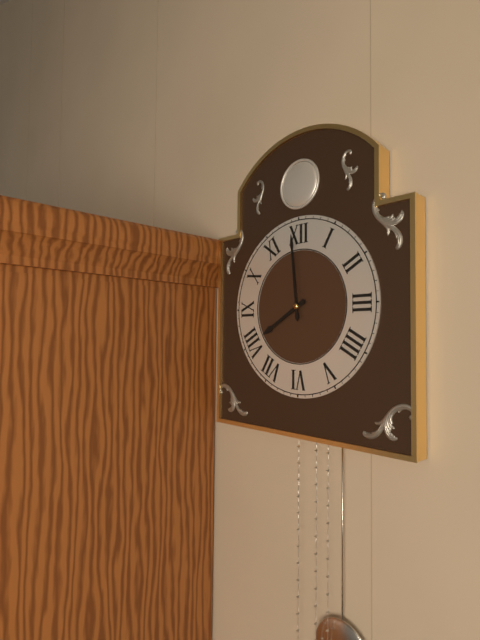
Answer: 7,59
